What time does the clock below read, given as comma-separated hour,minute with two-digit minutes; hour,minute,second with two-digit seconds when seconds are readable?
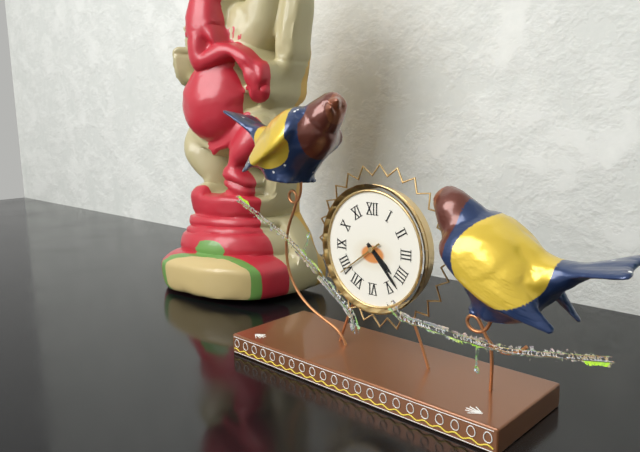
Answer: 4,23
